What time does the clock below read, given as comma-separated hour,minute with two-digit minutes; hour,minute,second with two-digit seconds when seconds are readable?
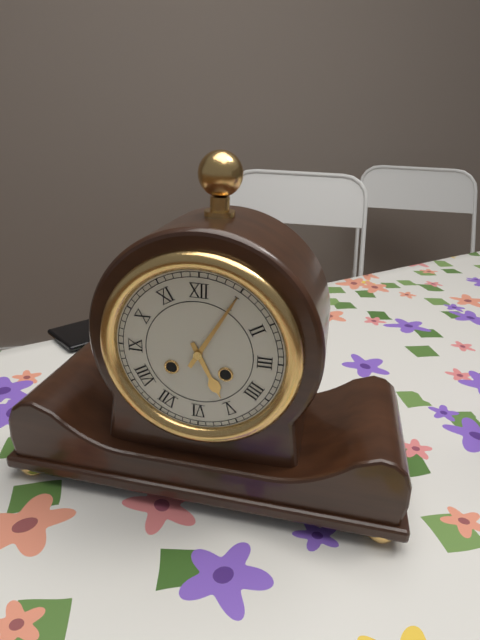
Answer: 5,05
